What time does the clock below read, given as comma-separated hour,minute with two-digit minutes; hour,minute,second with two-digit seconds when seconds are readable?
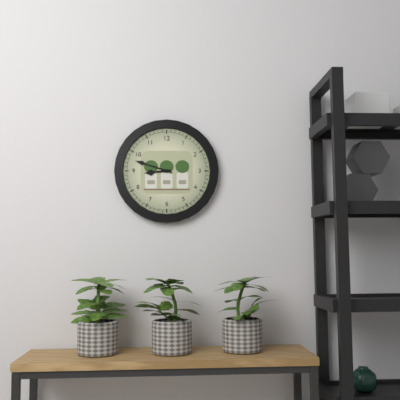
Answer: 8,48
